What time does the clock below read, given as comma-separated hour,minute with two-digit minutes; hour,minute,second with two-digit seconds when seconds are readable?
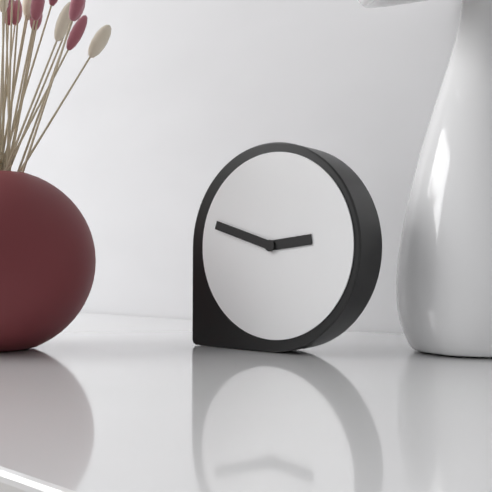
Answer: 2,48
